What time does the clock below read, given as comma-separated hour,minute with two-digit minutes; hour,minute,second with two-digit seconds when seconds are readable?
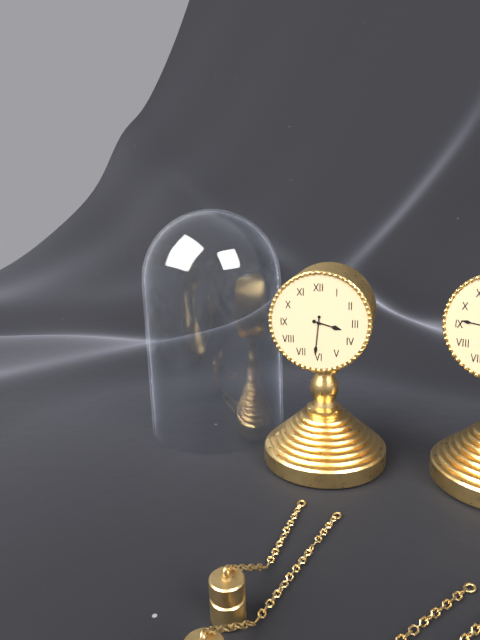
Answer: 3,31
